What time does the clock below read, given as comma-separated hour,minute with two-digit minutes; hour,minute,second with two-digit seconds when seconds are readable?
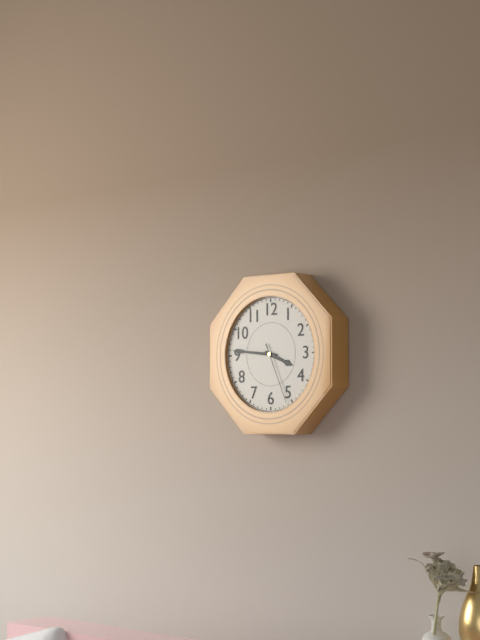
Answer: 3,46,26
